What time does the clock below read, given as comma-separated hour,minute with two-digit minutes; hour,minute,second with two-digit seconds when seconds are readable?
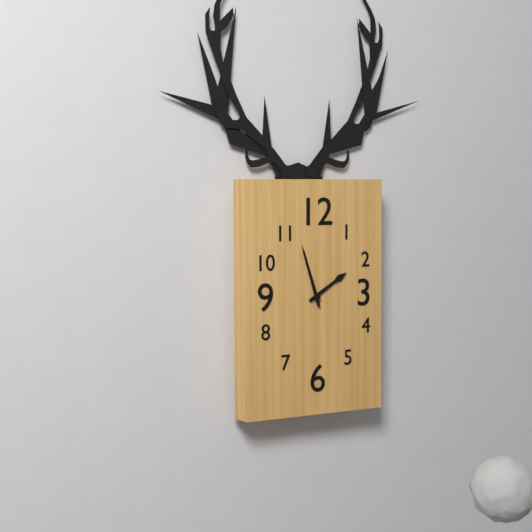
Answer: 1,57
